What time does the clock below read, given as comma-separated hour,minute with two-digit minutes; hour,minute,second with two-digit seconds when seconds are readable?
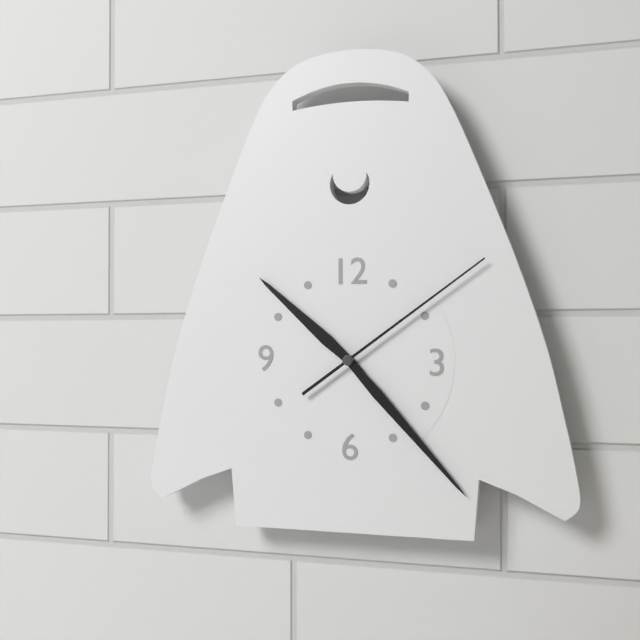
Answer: 10,23,09
